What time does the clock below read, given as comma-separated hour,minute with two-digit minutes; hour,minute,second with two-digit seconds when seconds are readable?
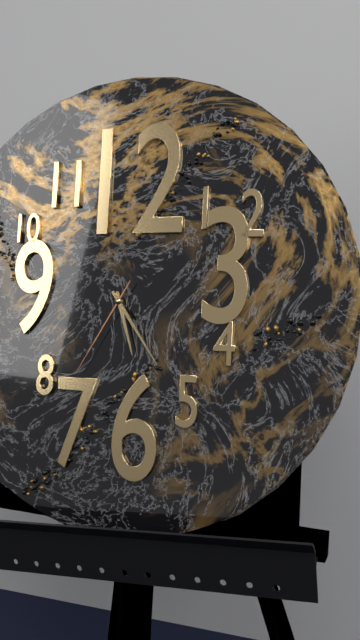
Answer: 5,24,35
